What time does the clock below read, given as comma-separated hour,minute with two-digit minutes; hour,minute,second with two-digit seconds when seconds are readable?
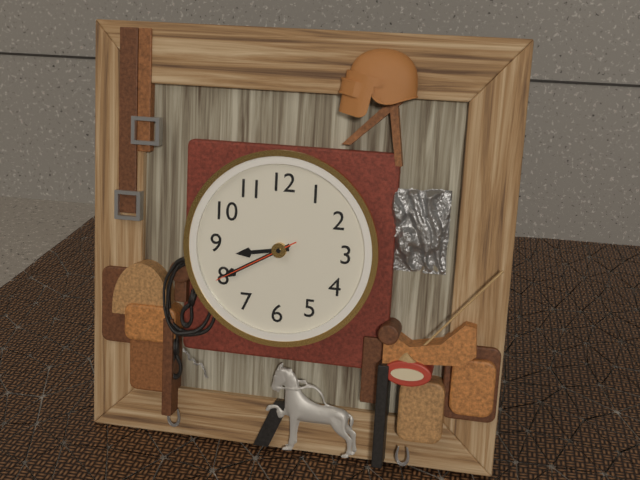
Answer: 8,40,40
